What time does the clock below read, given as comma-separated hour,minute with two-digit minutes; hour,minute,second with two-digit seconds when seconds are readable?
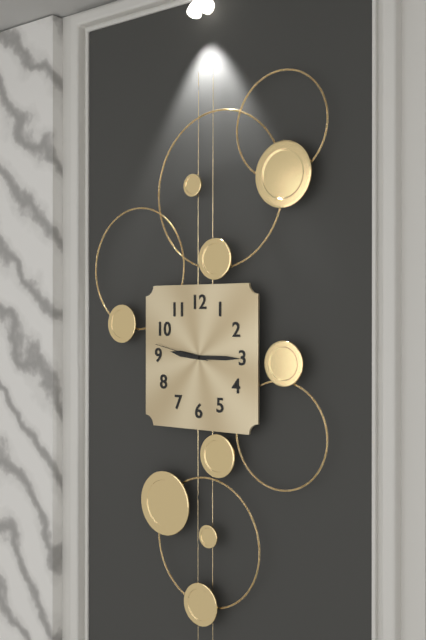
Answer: 9,15,47
